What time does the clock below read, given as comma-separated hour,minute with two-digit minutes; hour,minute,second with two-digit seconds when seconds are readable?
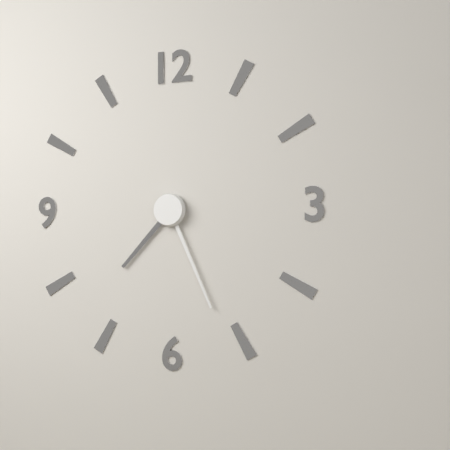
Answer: 7,26
